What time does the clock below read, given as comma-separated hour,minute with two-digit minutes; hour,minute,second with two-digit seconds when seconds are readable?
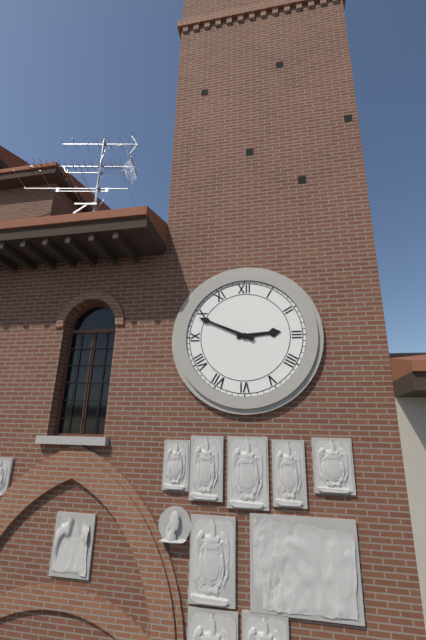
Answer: 2,49
